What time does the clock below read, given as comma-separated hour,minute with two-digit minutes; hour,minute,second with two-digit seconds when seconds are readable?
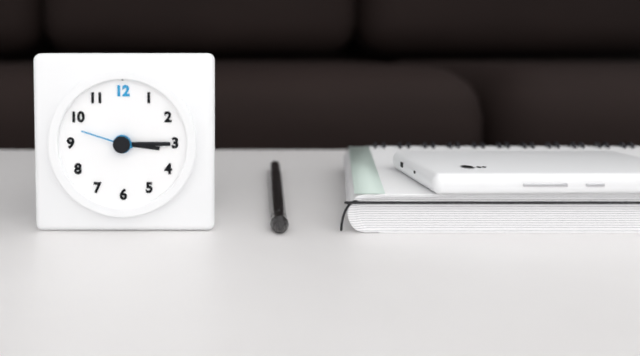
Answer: 3,15,48
